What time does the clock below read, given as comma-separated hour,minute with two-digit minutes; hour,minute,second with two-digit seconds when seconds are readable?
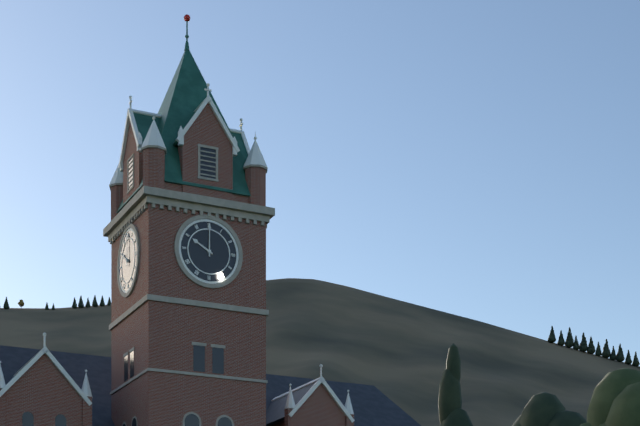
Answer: 10,00
